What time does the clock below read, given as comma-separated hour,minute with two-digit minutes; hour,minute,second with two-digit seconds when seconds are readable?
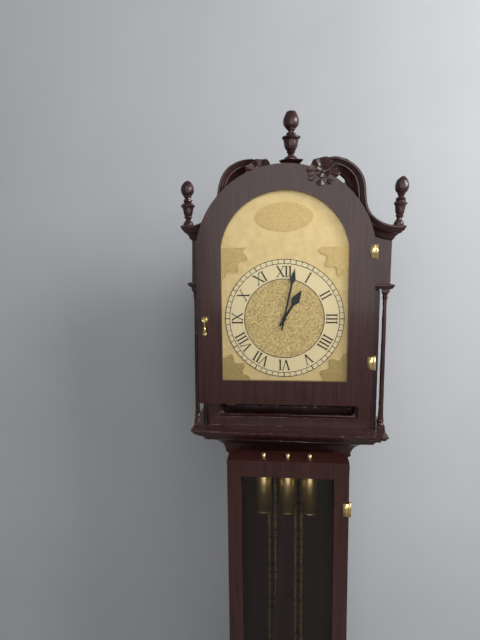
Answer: 1,02
